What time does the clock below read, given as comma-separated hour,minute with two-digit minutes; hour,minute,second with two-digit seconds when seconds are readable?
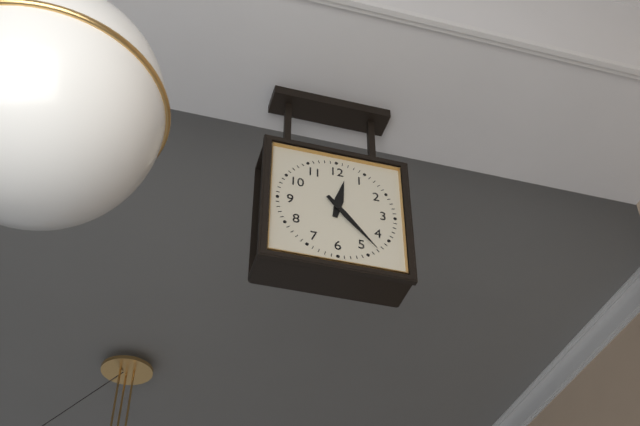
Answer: 12,23
